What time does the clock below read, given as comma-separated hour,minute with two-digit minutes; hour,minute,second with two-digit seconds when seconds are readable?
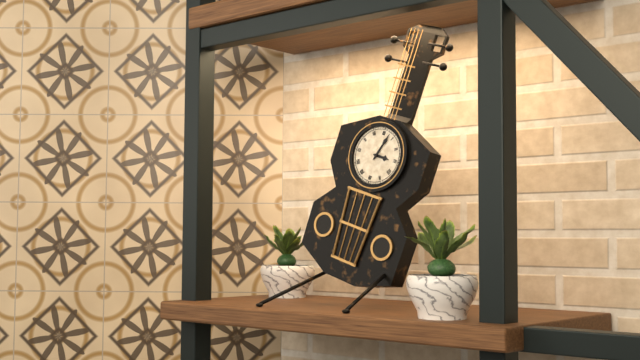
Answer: 3,03
